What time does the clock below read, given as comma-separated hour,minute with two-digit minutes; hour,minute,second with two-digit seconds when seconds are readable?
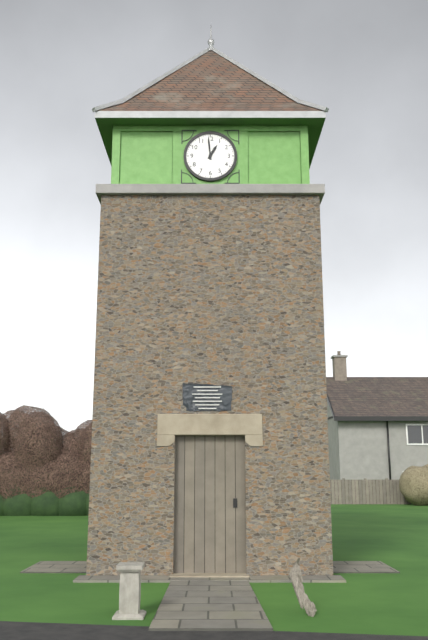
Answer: 12,59
